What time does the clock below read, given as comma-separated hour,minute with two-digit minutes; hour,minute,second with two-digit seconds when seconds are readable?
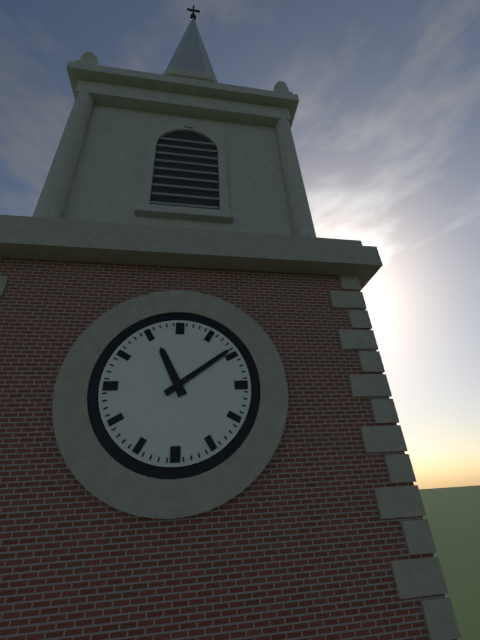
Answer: 11,09
